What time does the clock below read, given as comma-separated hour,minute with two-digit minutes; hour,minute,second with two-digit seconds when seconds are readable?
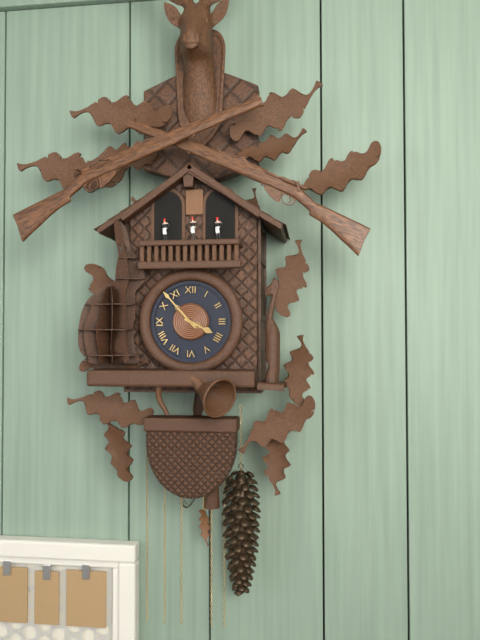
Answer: 3,53
